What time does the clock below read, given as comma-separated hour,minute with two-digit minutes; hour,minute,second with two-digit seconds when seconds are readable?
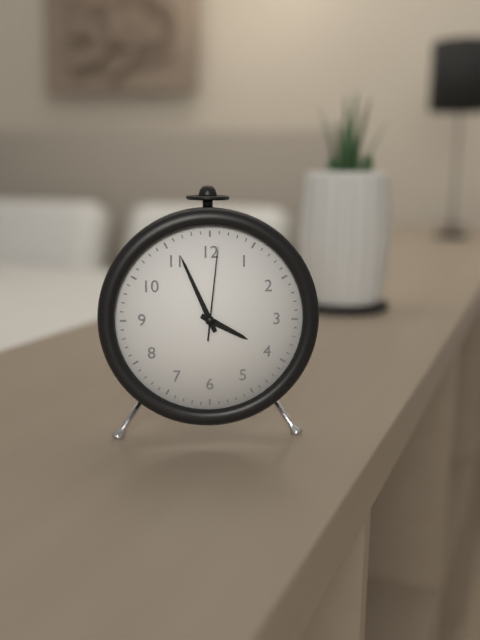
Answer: 3,56,01
